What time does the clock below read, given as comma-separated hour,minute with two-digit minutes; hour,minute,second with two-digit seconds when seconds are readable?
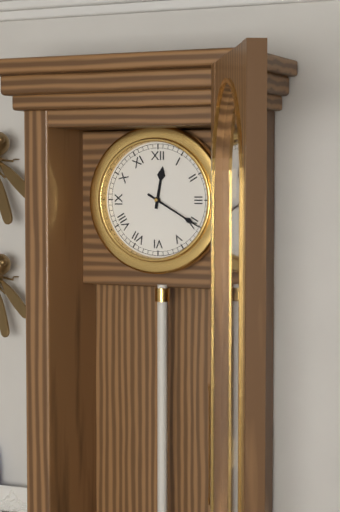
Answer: 12,20
